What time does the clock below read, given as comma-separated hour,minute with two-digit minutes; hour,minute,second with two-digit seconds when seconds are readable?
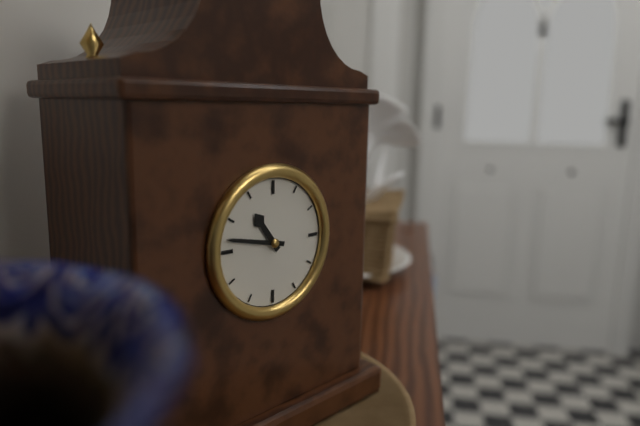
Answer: 10,47
